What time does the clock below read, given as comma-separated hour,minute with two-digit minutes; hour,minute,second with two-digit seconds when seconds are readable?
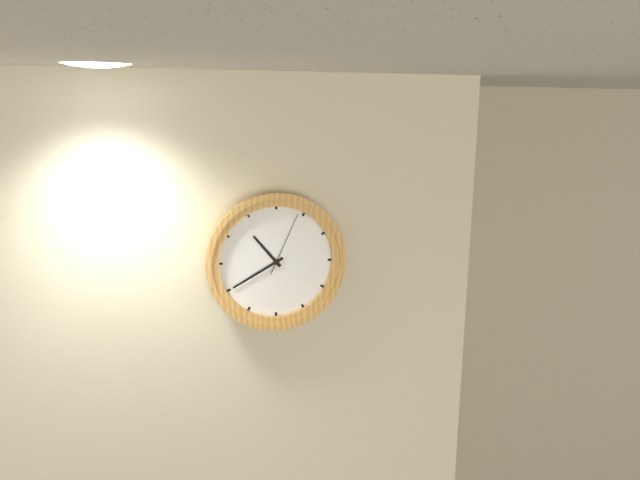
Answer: 10,40,04
